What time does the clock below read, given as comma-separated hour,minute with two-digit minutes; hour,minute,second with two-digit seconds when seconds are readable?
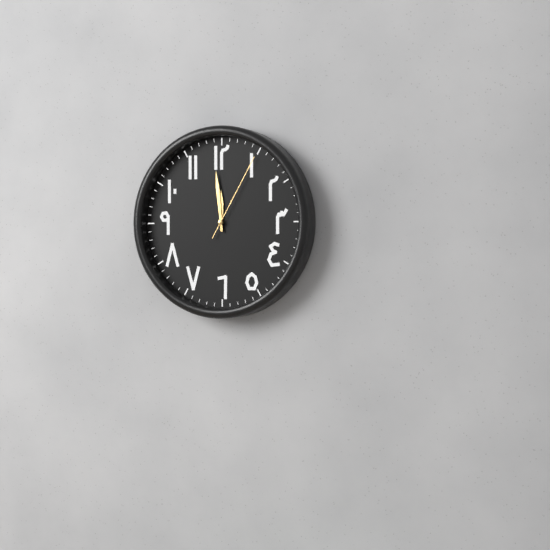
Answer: 11,59,05
